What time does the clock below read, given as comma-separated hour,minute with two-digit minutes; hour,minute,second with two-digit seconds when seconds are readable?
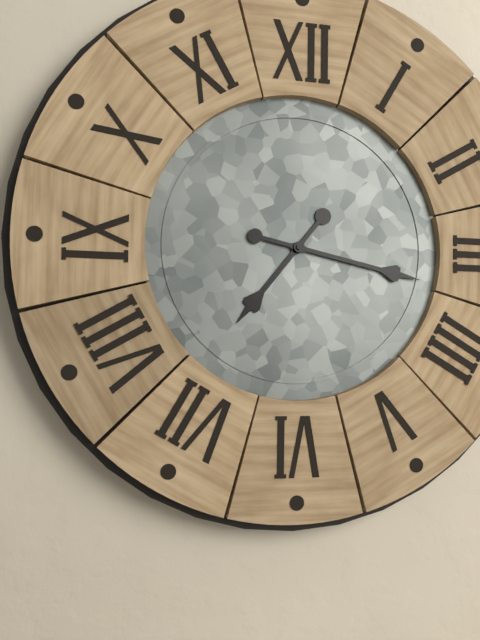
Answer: 7,17
